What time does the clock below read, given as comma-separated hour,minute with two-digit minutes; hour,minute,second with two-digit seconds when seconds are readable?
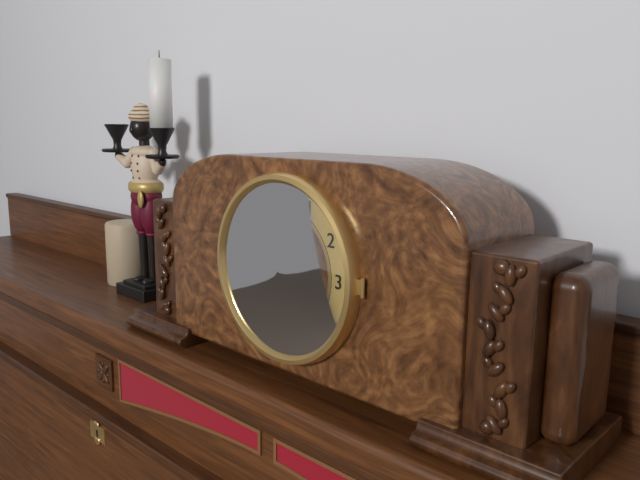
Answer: 12,22
